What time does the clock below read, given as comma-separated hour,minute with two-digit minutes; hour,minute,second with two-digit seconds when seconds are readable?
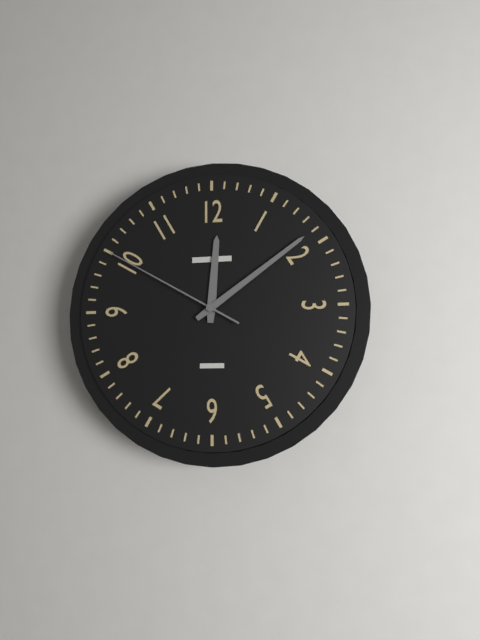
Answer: 12,09,50
